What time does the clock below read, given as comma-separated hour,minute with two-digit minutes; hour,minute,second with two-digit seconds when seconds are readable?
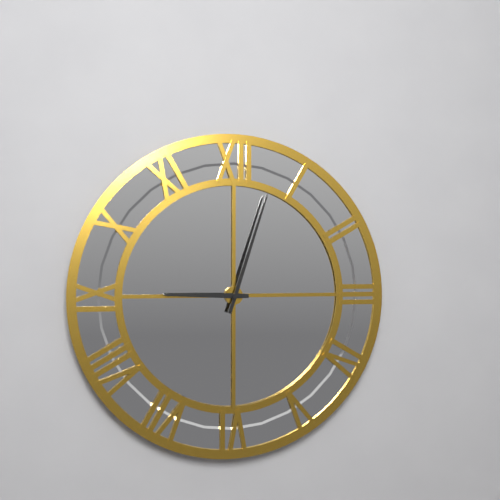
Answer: 9,03
